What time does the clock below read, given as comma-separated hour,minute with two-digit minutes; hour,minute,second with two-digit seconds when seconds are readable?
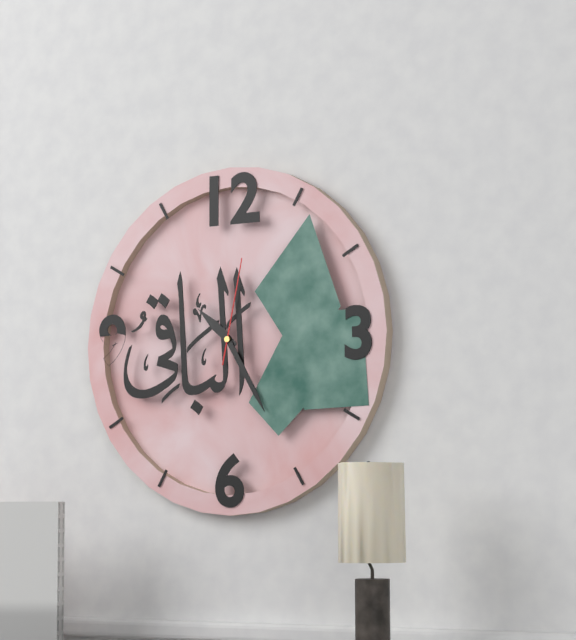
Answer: 10,25,02
